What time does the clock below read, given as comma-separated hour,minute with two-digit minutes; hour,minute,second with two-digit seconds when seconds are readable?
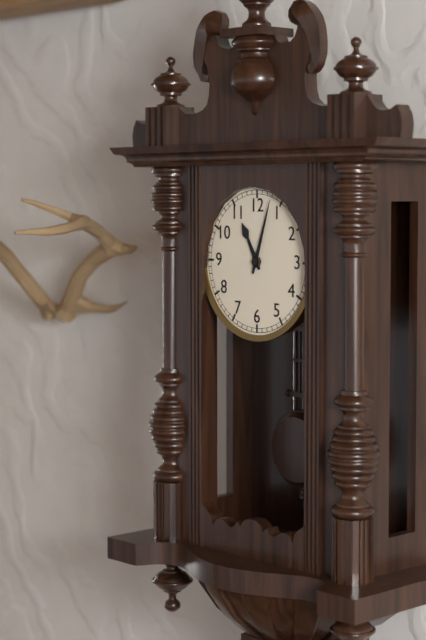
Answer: 11,03
